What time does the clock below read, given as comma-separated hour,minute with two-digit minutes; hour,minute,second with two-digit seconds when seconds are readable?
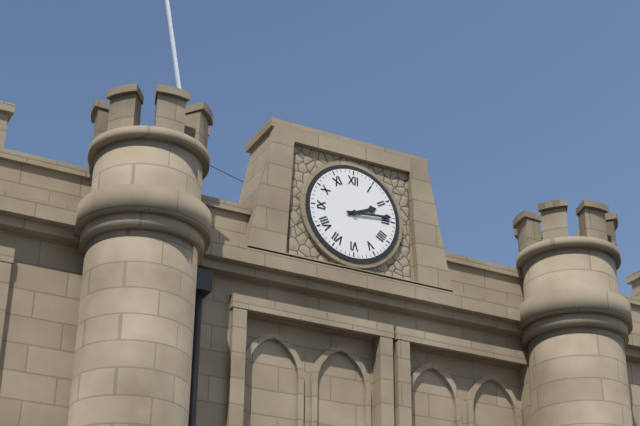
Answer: 2,14
